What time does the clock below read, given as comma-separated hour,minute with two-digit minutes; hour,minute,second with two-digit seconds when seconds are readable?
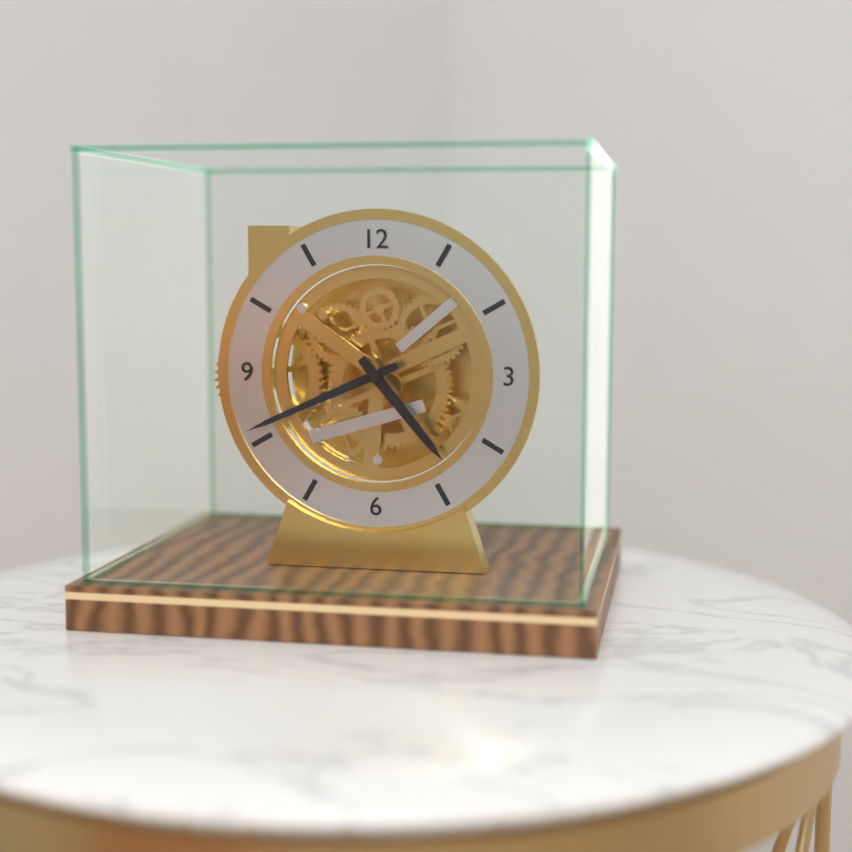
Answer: 4,41
